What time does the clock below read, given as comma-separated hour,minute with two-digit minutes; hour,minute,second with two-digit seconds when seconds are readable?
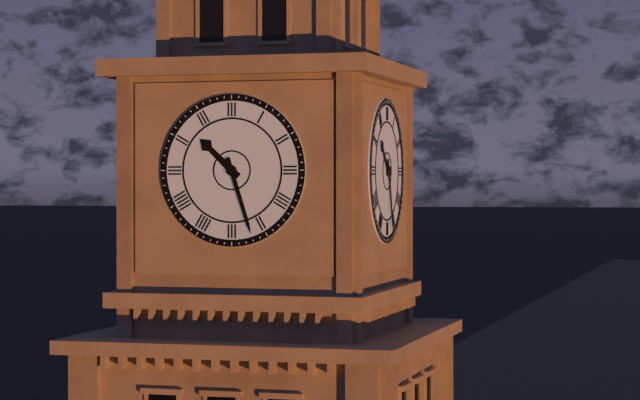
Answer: 10,27
